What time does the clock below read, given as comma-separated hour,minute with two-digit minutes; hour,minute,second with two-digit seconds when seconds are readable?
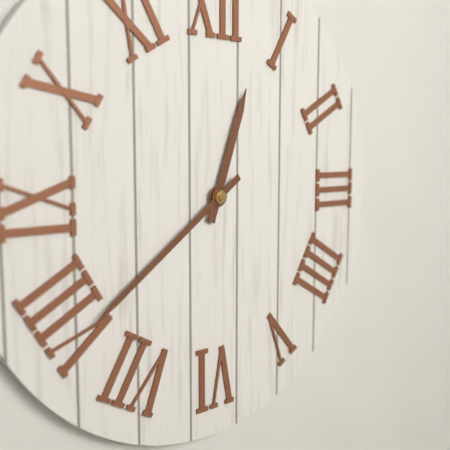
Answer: 12,39
